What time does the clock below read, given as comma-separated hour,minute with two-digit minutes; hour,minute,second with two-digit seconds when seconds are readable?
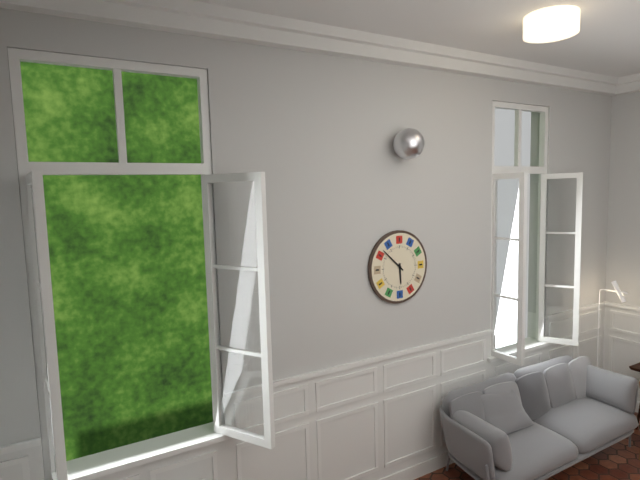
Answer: 5,52
